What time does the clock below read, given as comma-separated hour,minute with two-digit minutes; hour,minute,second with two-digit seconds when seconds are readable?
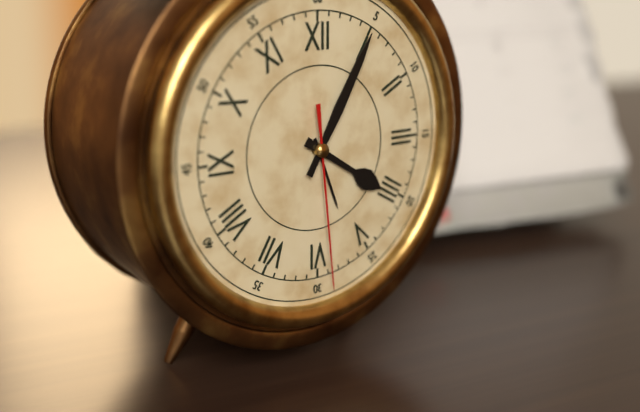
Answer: 4,05,29
